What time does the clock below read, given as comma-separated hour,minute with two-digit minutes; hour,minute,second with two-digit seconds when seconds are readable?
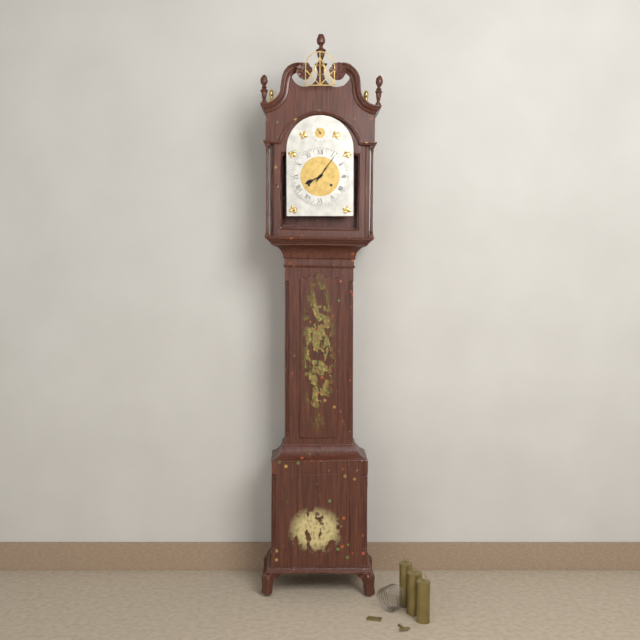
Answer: 8,06
